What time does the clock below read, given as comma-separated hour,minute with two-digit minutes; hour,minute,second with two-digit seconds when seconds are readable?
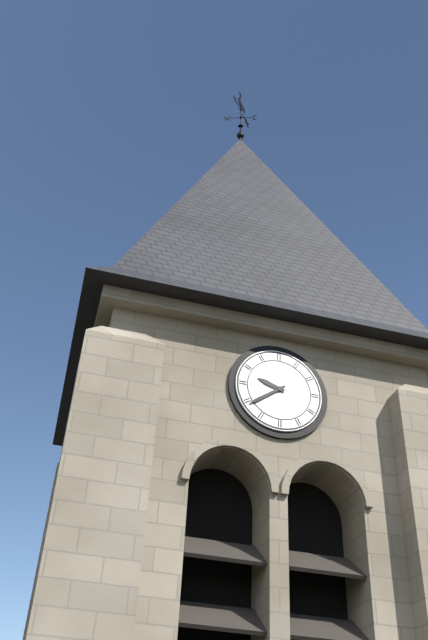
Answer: 9,39
